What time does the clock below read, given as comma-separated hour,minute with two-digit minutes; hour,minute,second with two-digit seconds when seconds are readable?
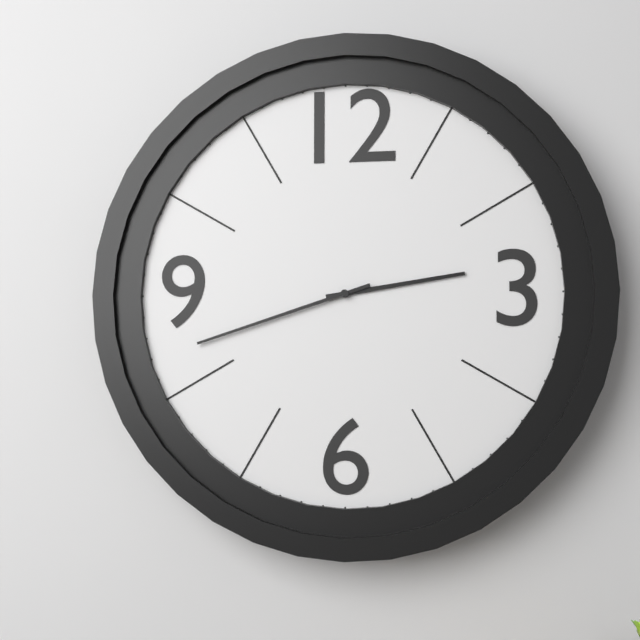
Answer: 2,42
